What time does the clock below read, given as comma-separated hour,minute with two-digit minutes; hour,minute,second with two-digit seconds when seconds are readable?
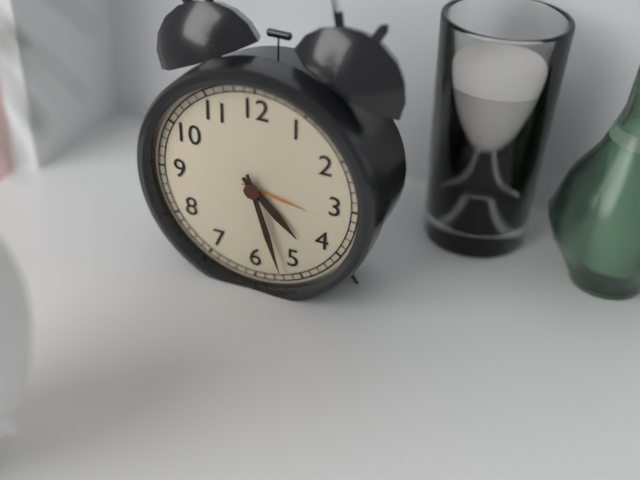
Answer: 4,27
